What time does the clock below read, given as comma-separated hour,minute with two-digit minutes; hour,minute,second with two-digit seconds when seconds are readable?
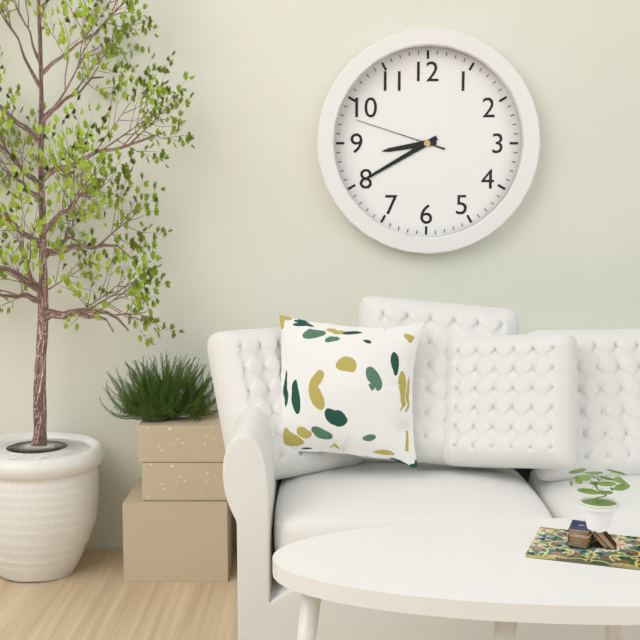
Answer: 8,40,48
